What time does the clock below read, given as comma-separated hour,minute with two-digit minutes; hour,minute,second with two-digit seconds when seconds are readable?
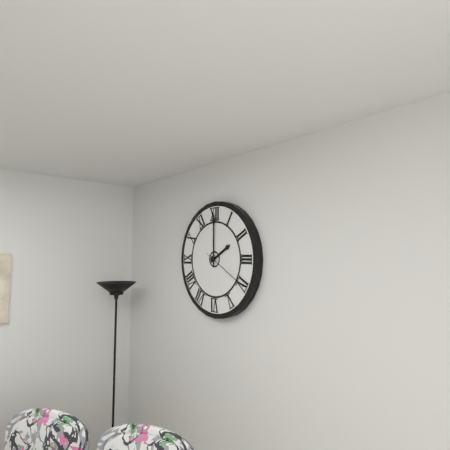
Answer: 2,00
